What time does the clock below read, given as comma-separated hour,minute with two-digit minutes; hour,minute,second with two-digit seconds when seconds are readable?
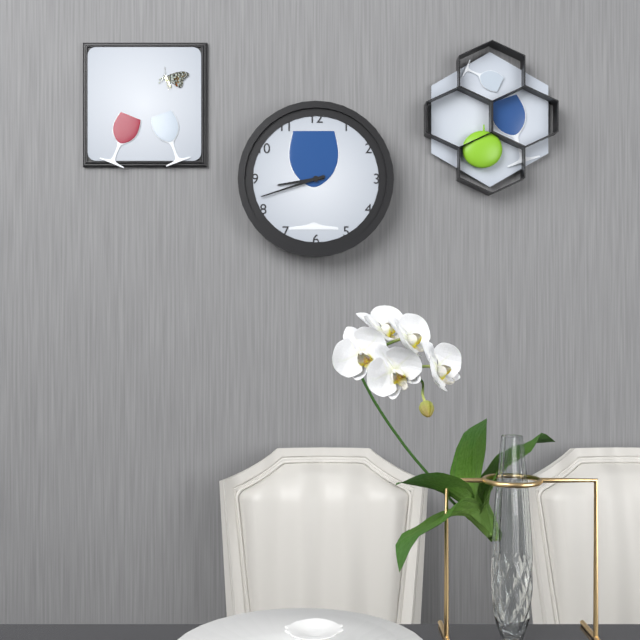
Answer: 8,42
